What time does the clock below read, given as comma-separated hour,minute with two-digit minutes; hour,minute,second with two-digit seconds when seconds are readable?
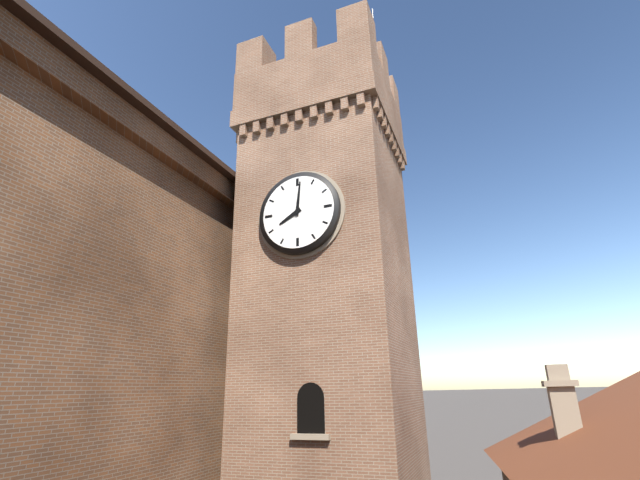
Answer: 8,01
